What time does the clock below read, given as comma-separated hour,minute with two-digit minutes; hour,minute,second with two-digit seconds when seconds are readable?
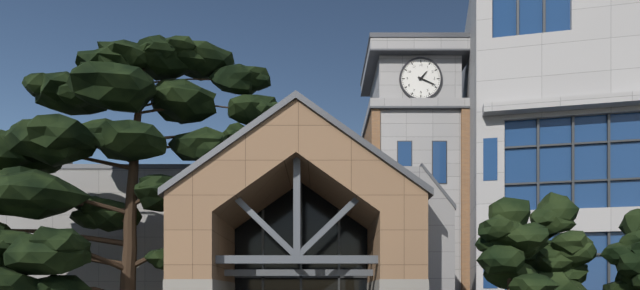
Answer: 1,19
